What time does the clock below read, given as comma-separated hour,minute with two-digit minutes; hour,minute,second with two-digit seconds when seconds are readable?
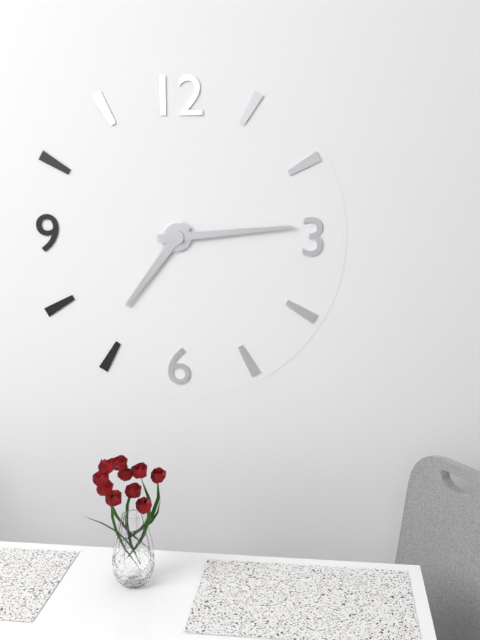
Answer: 7,14
